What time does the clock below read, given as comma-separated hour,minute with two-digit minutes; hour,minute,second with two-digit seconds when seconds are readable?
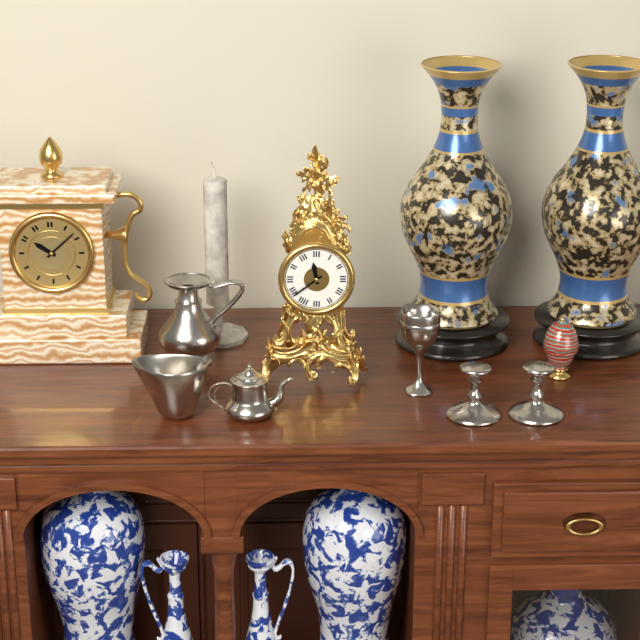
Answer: 11,39
